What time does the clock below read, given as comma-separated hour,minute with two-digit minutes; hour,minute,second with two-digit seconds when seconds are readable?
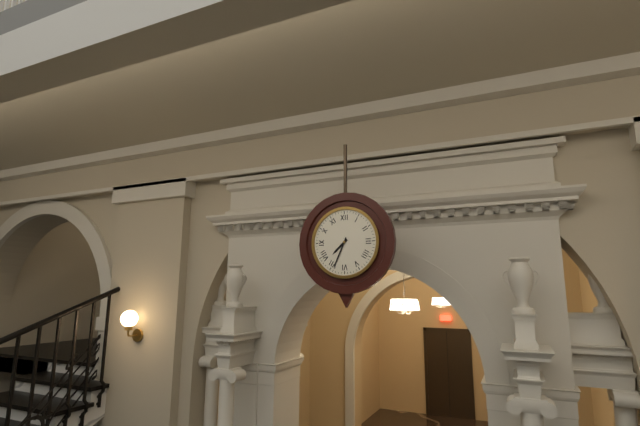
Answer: 7,34
